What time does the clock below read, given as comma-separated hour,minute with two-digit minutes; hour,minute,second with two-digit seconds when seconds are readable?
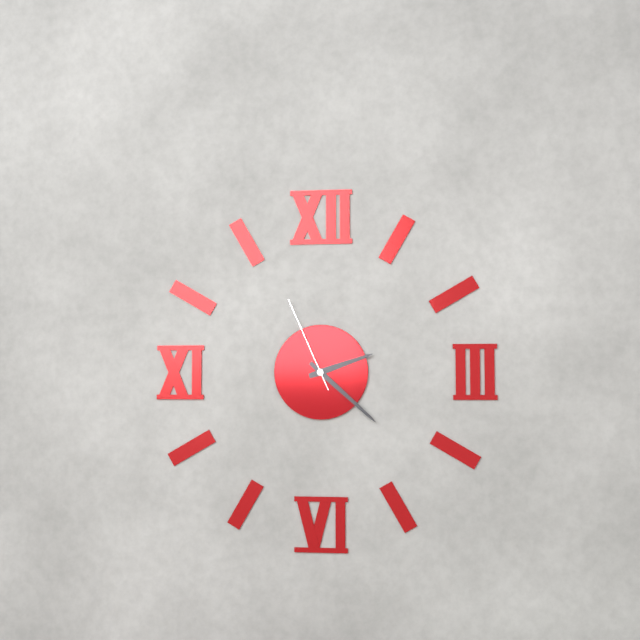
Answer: 2,22,56
